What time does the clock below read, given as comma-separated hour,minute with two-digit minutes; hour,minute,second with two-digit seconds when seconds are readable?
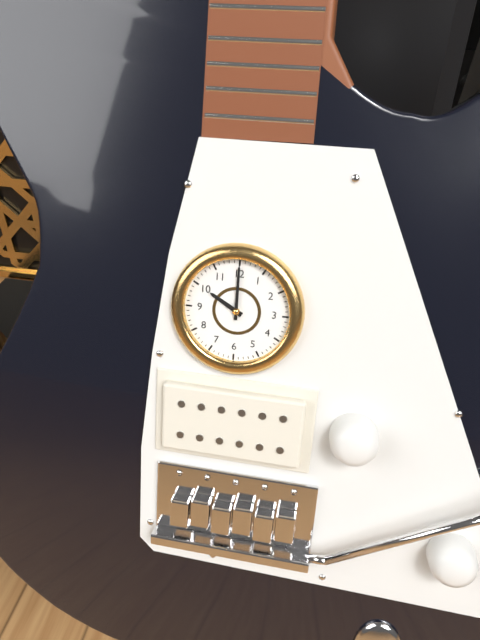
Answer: 10,00
